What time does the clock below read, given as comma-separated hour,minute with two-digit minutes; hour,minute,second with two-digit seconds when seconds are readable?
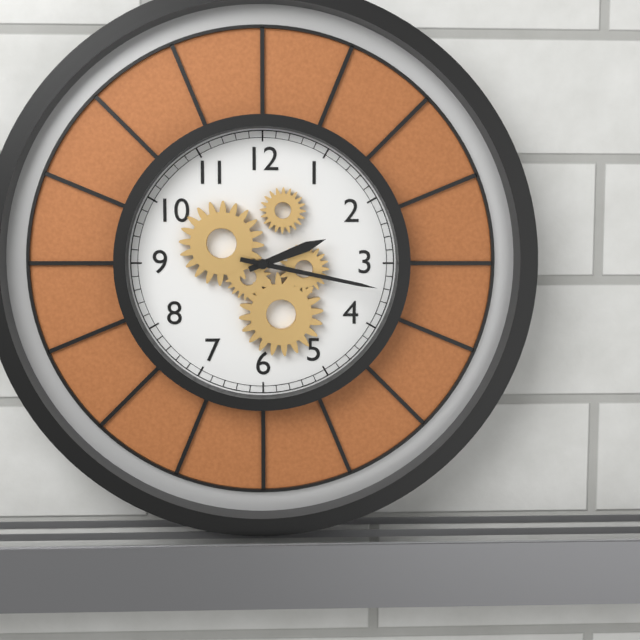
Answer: 2,17
